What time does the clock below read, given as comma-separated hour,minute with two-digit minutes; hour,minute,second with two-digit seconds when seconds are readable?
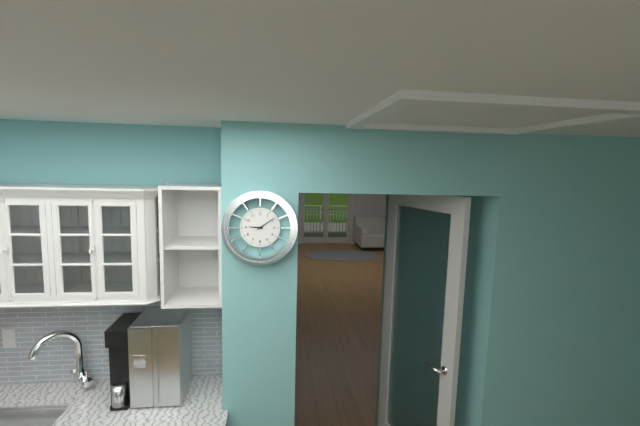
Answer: 9,09
